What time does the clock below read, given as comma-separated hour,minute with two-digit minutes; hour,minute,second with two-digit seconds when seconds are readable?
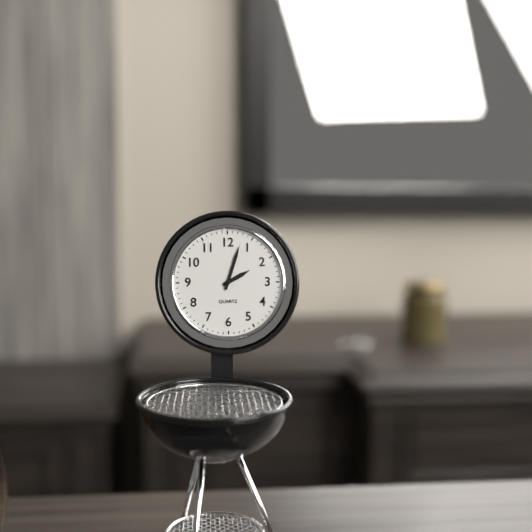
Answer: 2,03
